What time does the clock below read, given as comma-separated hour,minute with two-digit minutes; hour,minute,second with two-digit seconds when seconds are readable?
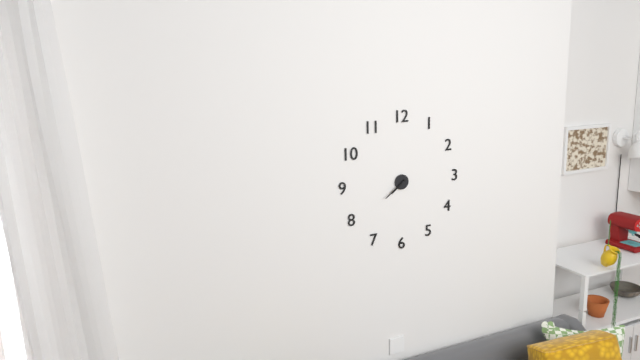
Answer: 7,39
